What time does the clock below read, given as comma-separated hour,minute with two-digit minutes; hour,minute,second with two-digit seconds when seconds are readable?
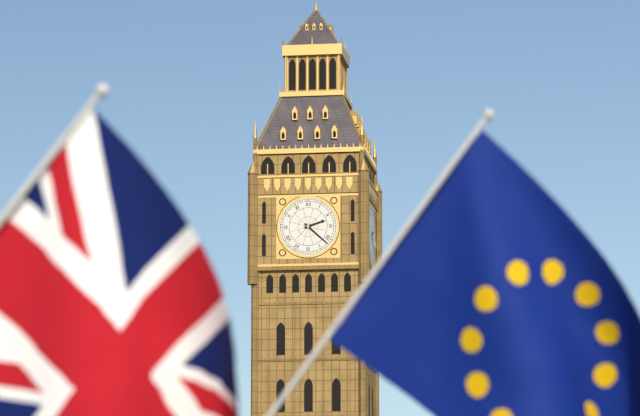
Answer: 2,22
